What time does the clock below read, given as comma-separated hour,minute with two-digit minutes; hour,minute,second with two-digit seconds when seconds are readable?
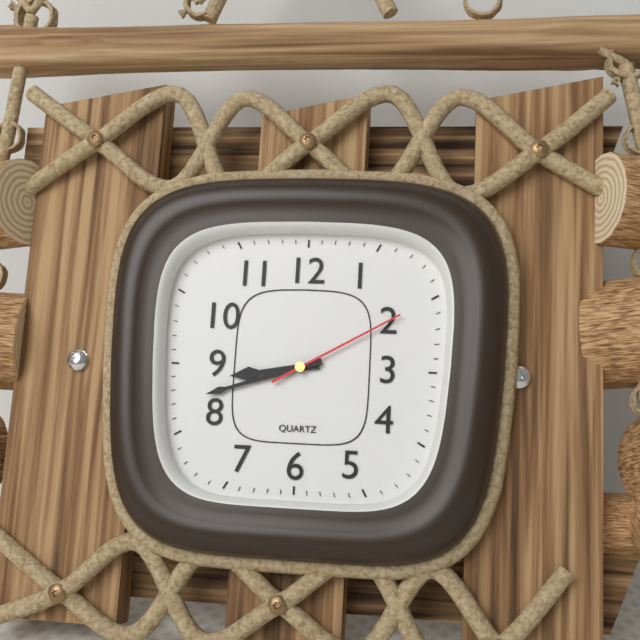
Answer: 8,42,10
